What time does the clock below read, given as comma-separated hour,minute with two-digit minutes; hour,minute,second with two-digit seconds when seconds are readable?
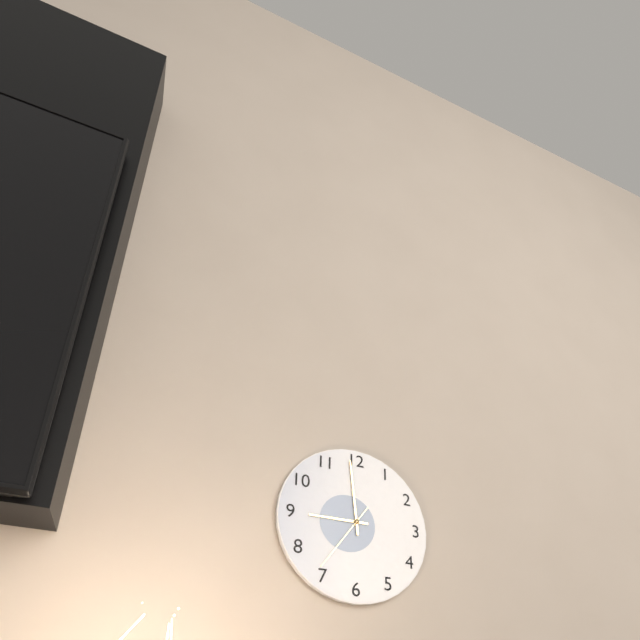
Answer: 8,59,36
